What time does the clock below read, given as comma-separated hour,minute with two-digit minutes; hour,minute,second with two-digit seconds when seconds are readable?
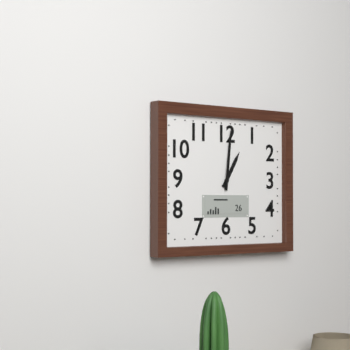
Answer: 1,01
